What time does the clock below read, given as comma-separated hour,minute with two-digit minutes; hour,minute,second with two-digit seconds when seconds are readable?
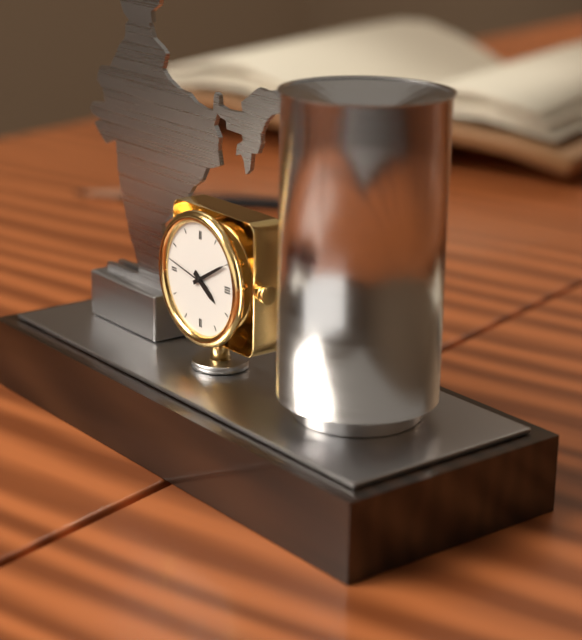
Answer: 4,10
